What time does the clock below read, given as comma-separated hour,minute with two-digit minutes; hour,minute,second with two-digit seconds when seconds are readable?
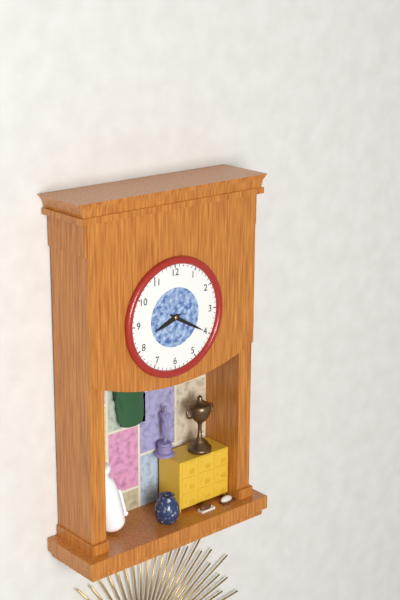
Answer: 8,20
